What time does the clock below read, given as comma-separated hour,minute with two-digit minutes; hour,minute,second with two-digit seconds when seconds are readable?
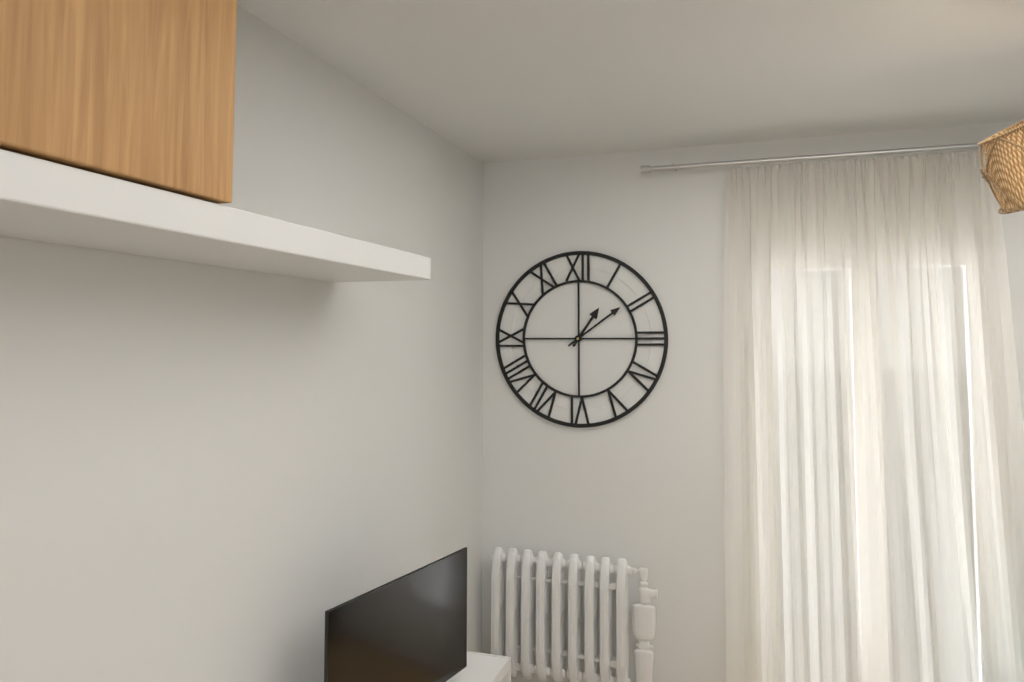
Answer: 1,09
